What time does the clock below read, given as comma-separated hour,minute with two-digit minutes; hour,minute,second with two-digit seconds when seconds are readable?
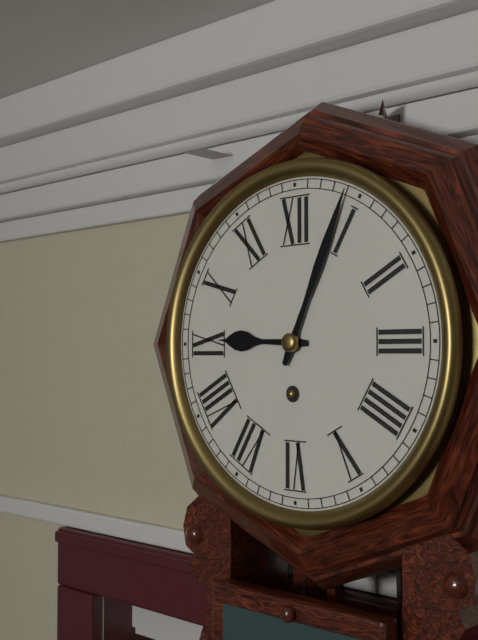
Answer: 9,04
